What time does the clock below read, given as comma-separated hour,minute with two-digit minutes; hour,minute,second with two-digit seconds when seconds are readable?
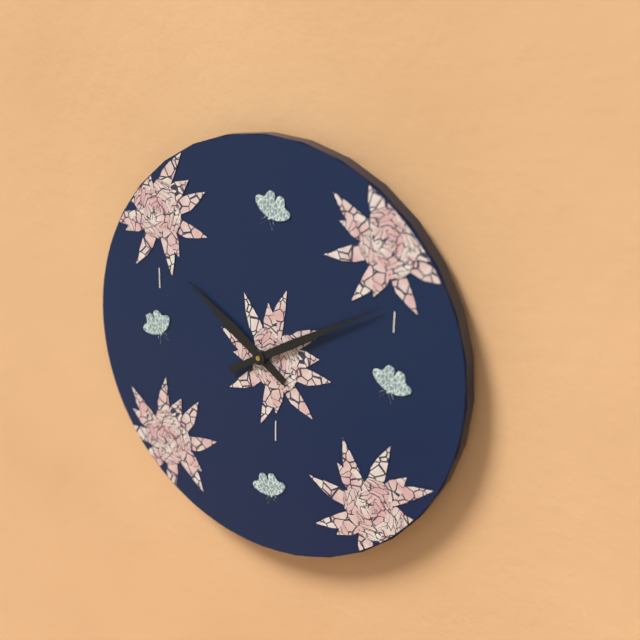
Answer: 10,10
